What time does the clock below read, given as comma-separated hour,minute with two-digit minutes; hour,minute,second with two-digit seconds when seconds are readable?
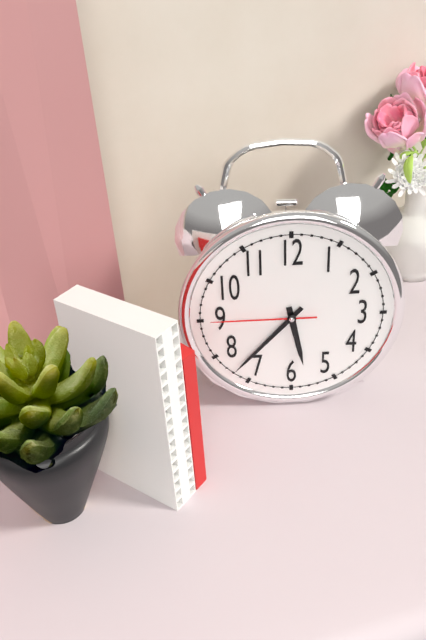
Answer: 5,37,45
